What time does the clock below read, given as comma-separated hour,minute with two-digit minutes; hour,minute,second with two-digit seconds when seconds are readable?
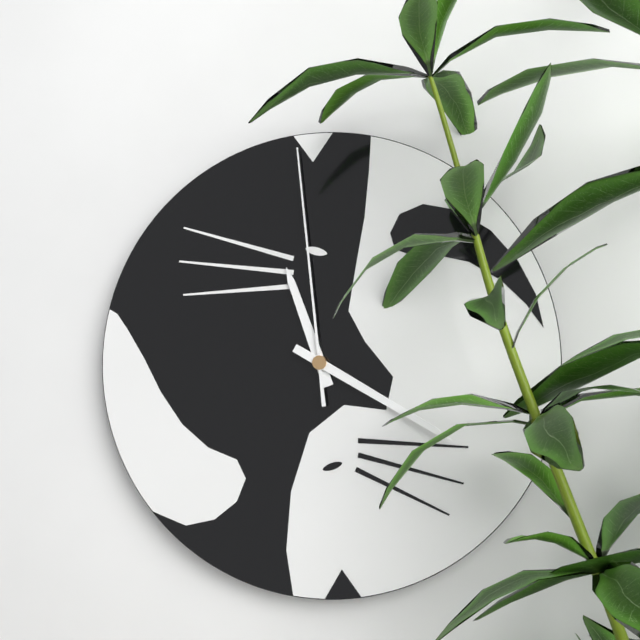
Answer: 11,20,59
